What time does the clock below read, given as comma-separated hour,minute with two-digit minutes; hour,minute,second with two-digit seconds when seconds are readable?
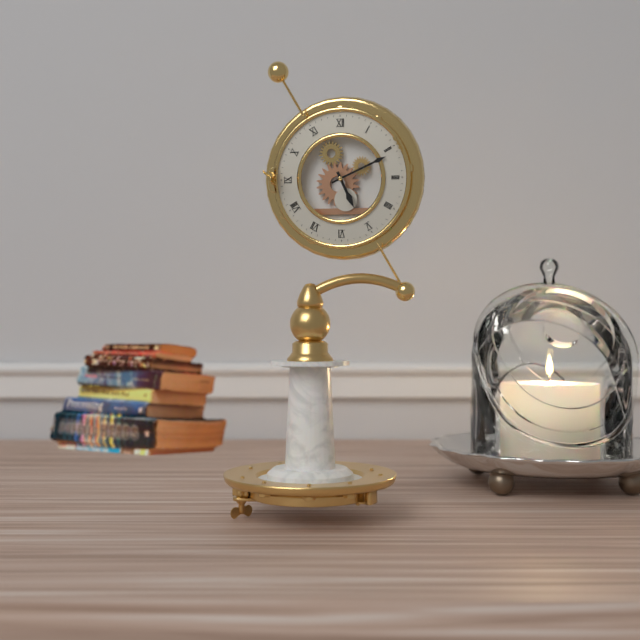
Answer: 5,11
